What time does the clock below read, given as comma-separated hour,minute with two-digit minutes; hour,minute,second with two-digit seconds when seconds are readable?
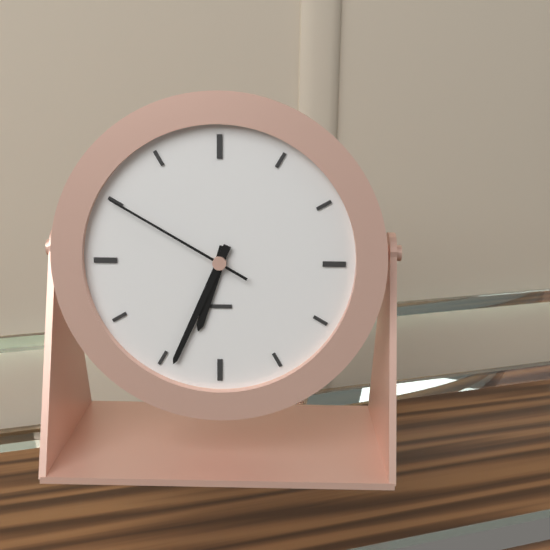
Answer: 6,34,50
